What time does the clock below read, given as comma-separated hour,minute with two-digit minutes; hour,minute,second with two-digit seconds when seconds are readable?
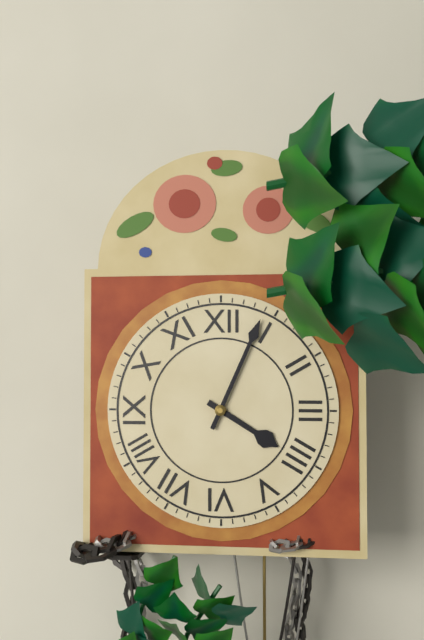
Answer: 4,04
